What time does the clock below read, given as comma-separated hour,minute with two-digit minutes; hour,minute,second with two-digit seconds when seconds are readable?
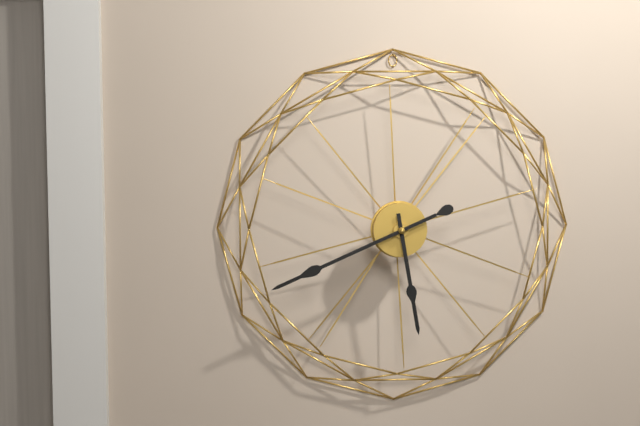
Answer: 5,41
